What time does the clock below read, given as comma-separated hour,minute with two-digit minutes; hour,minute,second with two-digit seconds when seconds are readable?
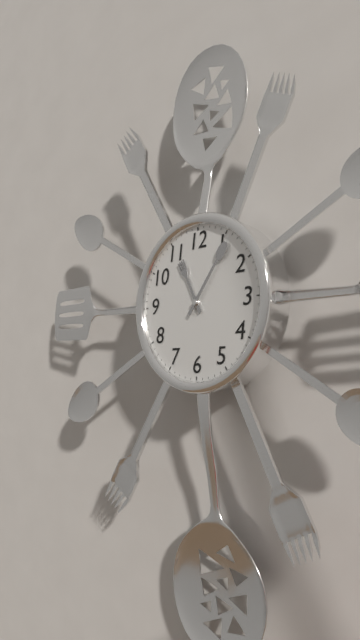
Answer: 11,06
